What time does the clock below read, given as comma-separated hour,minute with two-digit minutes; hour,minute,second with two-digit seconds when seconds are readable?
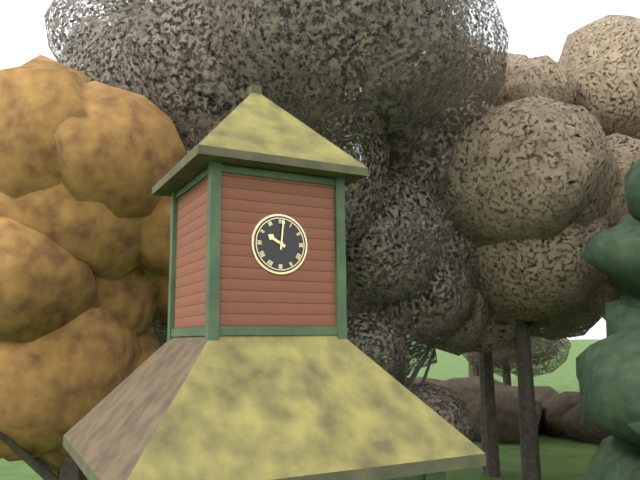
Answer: 10,01
